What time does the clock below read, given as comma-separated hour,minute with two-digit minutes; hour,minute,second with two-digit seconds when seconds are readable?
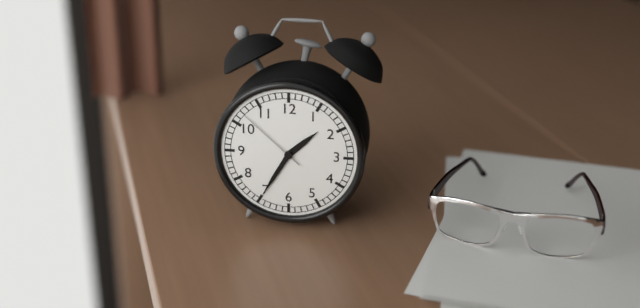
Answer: 1,35,52
